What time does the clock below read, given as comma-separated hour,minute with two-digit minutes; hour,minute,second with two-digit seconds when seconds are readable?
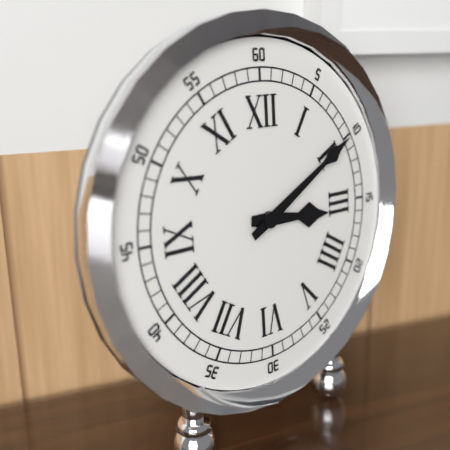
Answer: 3,10
